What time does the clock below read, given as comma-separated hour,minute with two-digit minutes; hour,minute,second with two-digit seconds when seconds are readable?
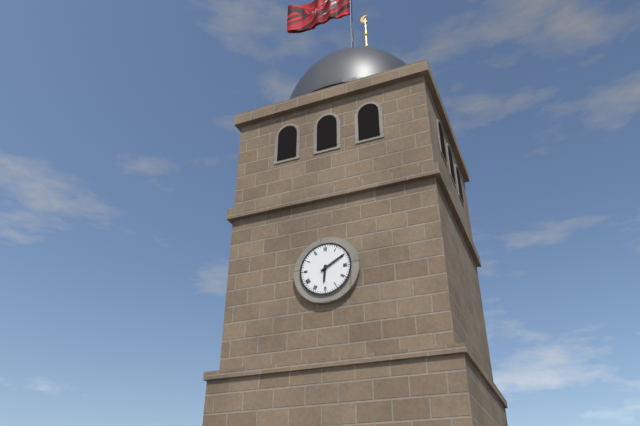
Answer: 6,10
